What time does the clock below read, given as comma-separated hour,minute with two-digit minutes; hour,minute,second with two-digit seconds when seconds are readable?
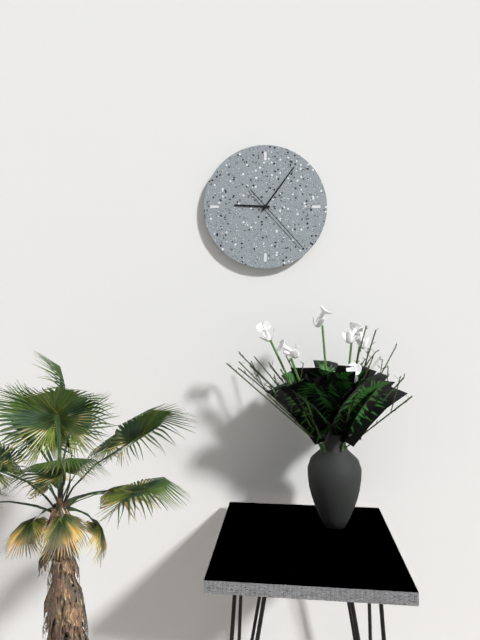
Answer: 9,06,23
